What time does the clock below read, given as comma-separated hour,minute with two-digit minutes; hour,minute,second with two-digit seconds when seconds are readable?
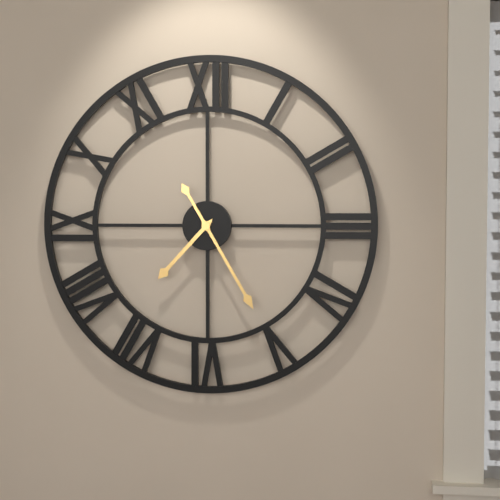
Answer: 7,25
